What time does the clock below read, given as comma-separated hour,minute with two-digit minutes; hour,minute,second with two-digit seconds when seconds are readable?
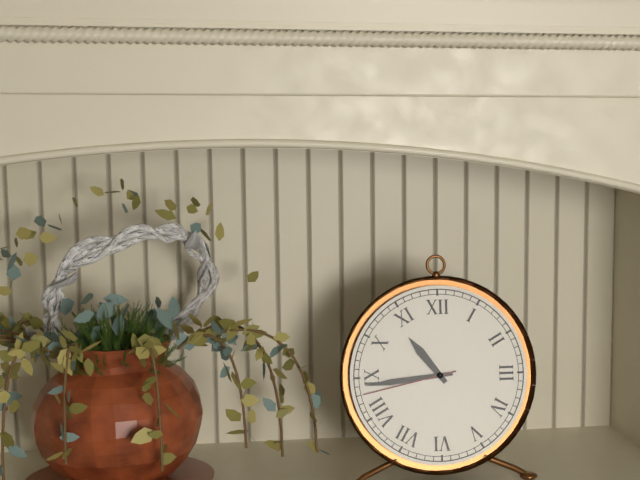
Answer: 10,44,43
